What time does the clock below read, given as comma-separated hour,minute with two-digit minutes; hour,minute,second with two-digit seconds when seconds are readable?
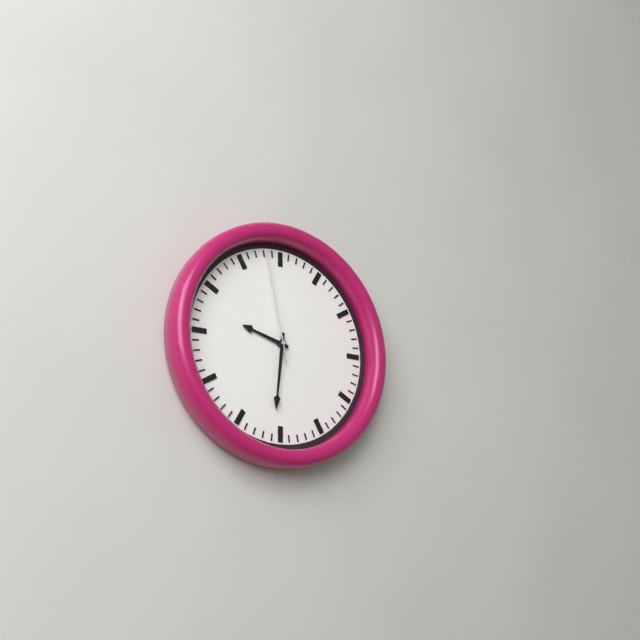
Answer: 9,31,58
